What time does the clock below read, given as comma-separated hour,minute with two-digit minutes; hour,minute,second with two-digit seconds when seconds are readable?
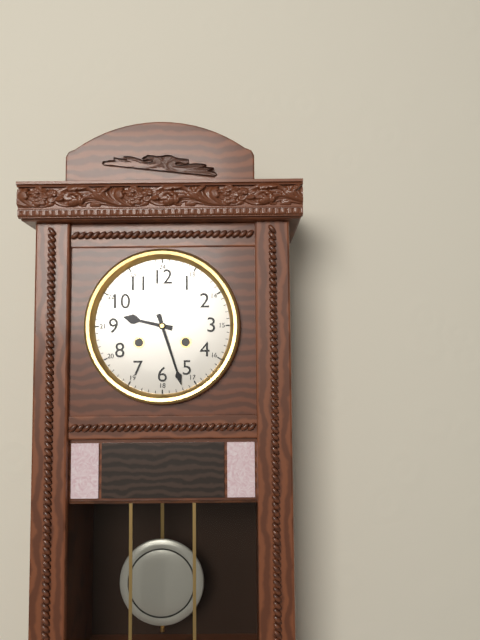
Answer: 9,27
